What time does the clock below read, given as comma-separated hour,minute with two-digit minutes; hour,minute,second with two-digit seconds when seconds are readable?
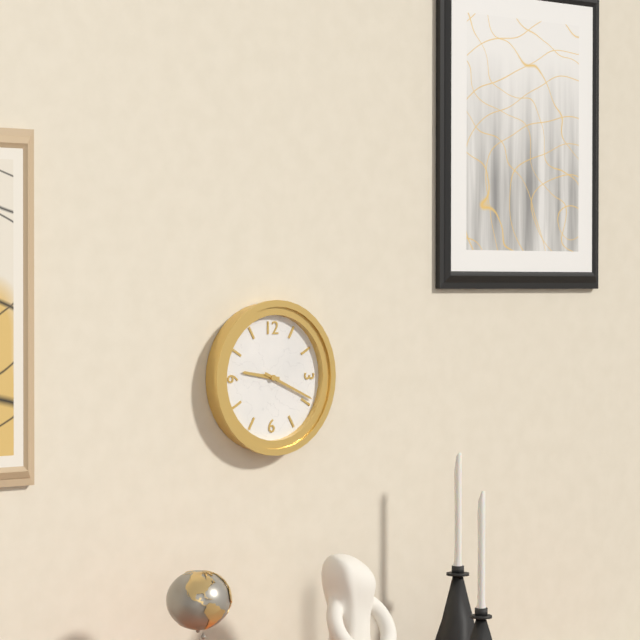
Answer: 9,19
